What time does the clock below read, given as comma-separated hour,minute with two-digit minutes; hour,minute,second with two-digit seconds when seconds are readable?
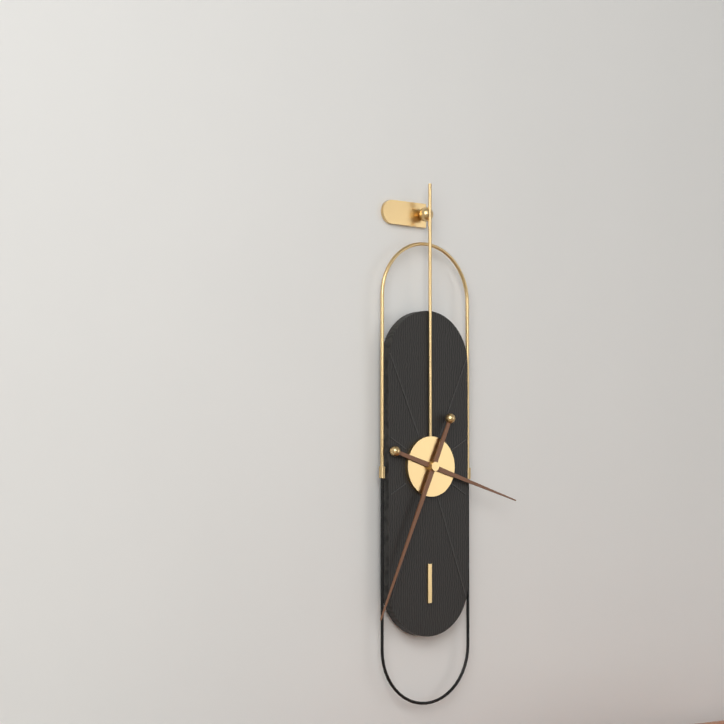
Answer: 3,34
